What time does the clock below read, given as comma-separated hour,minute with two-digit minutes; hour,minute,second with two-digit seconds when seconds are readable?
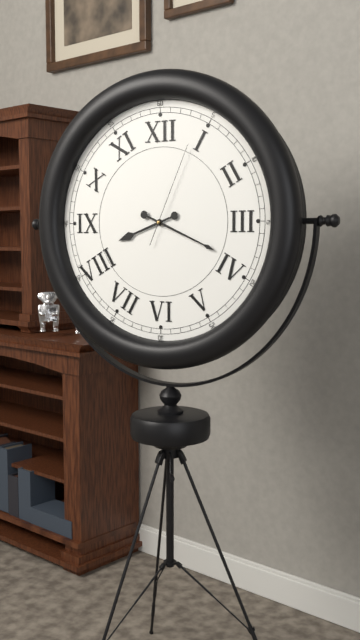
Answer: 8,19,04
